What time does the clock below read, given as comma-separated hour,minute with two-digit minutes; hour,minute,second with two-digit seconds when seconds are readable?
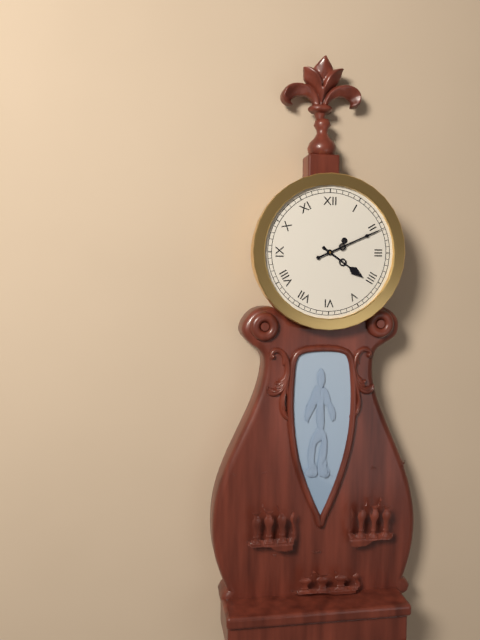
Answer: 4,11
